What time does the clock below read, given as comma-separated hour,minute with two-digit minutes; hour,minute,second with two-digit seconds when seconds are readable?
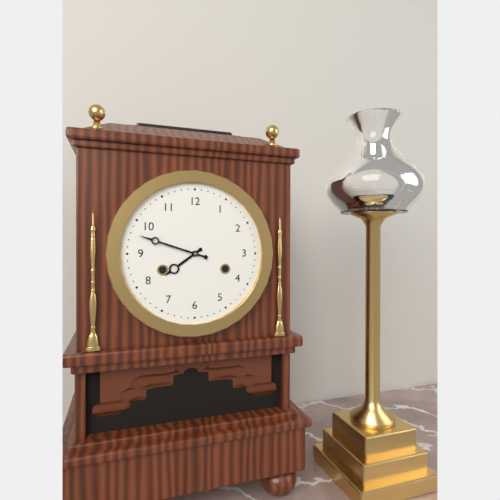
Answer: 7,48
